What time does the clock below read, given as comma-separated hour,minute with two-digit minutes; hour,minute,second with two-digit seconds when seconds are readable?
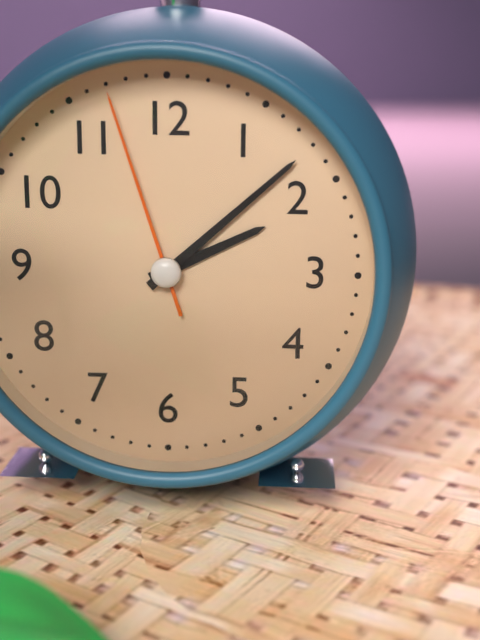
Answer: 2,08,57
